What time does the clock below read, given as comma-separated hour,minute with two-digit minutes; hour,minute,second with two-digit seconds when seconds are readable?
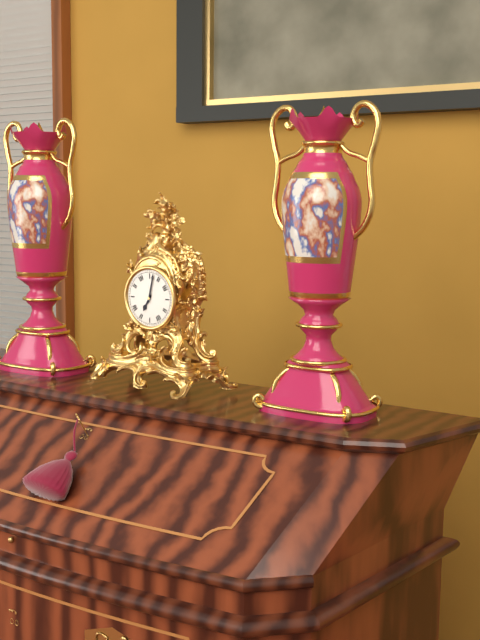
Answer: 7,02
